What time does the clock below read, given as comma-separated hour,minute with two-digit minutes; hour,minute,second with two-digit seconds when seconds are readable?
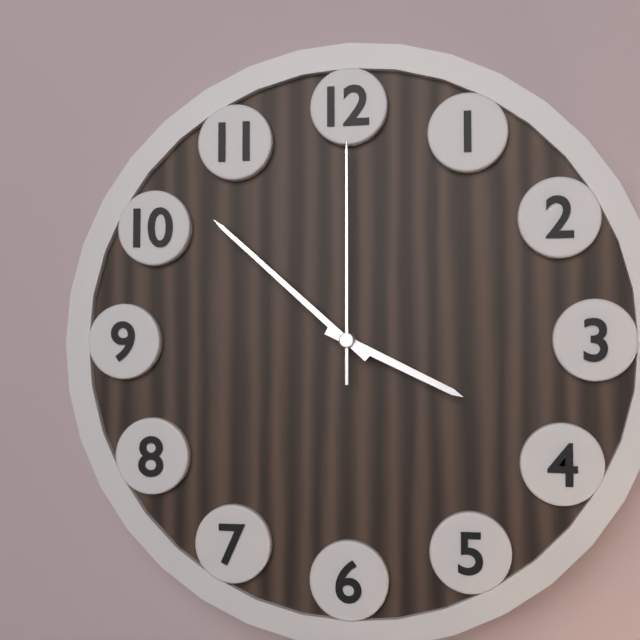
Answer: 3,52,00
